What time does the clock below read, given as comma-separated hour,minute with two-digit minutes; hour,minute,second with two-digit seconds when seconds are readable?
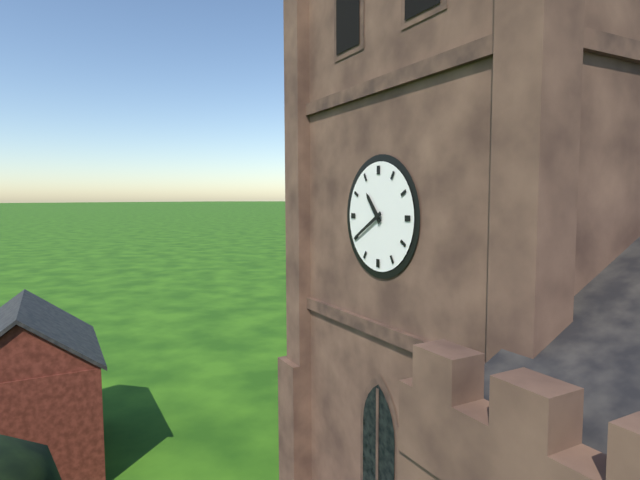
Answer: 10,40
